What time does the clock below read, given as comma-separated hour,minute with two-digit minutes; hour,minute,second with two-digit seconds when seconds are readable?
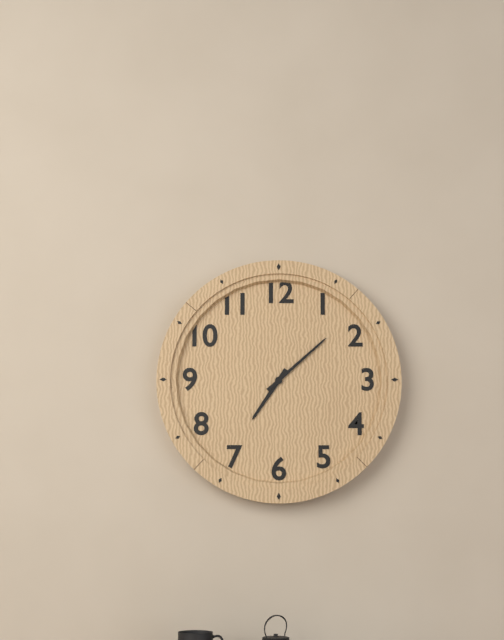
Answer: 7,08
